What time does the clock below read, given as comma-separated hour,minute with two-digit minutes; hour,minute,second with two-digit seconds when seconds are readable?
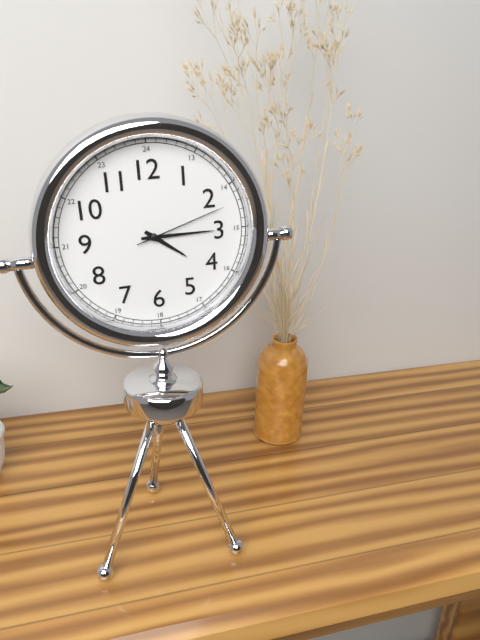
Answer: 4,15,12
